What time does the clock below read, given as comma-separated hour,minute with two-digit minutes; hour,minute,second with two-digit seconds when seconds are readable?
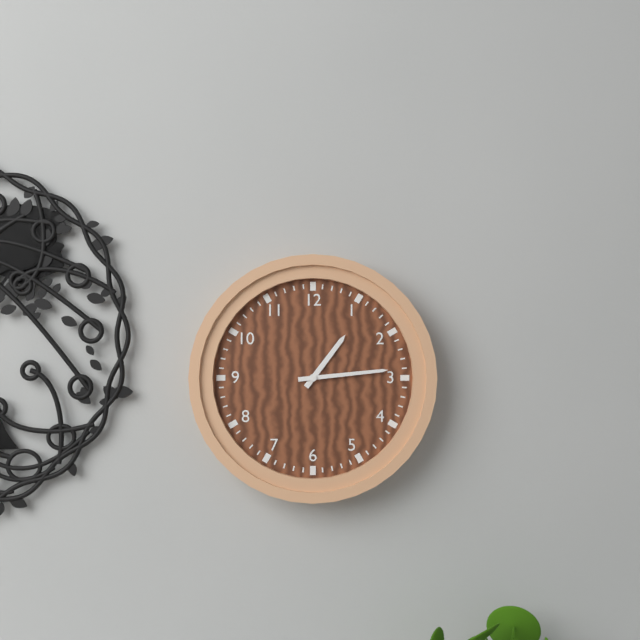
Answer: 1,14
